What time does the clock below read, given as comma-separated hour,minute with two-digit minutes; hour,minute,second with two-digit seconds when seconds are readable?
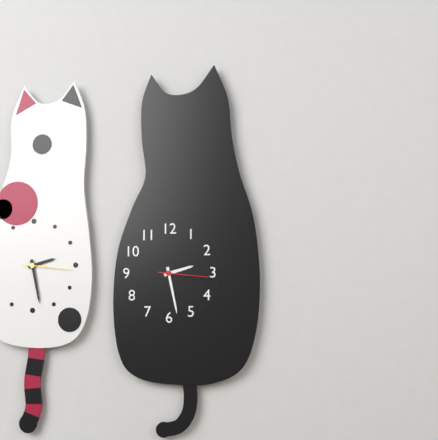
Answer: 2,28,16
